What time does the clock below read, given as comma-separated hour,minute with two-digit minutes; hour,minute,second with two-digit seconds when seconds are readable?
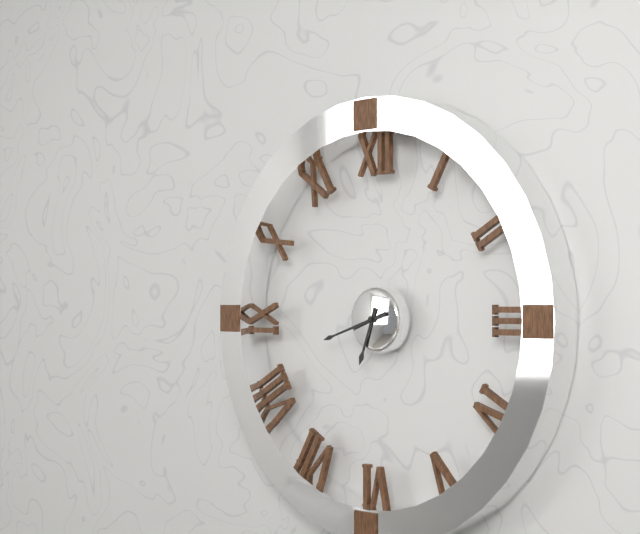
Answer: 6,42
